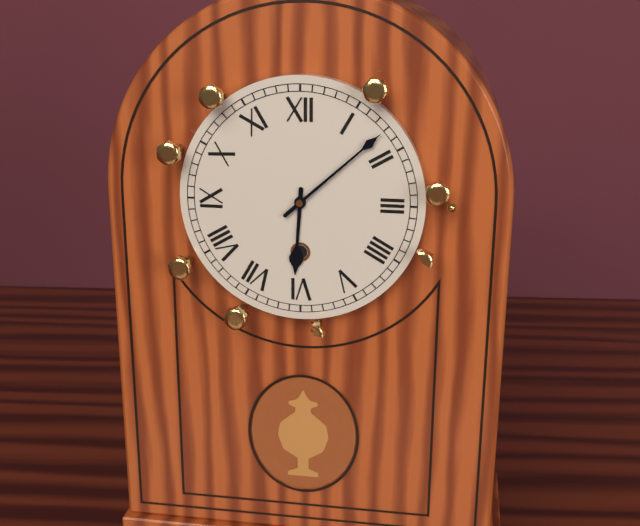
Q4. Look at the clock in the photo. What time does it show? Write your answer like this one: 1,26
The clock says 6,08
